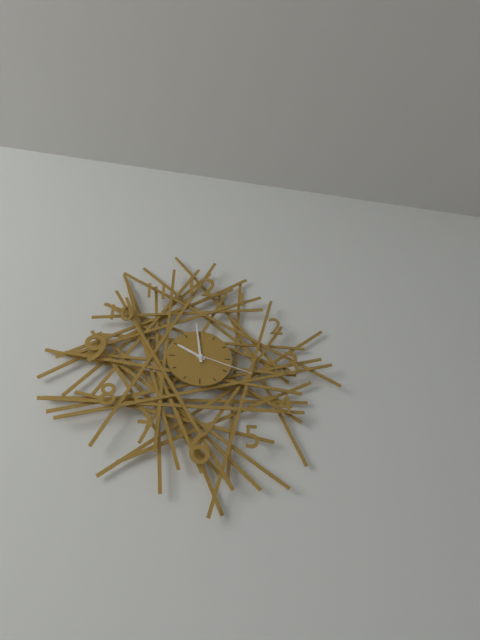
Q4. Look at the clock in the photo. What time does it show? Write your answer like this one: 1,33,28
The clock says 9,59,18
